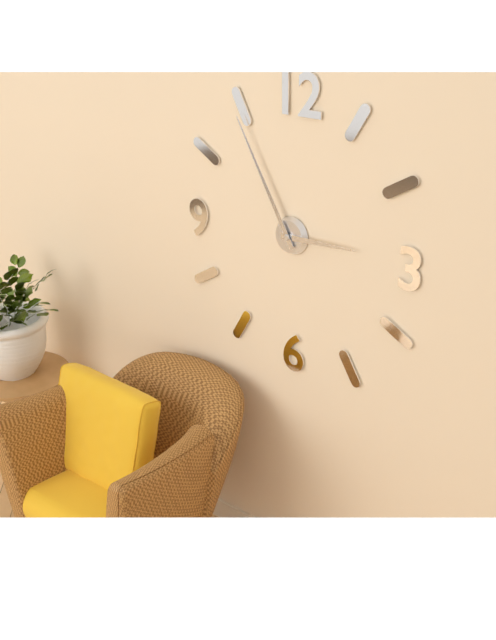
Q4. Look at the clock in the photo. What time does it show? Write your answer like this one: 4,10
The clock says 2,55
